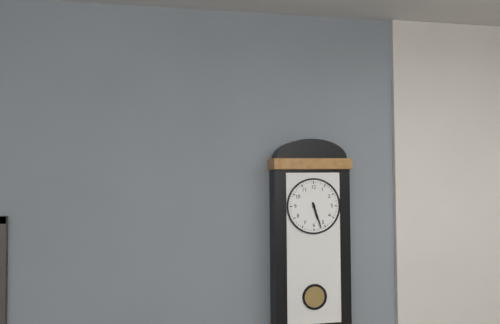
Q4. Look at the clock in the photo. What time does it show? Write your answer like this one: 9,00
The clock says 5,27
